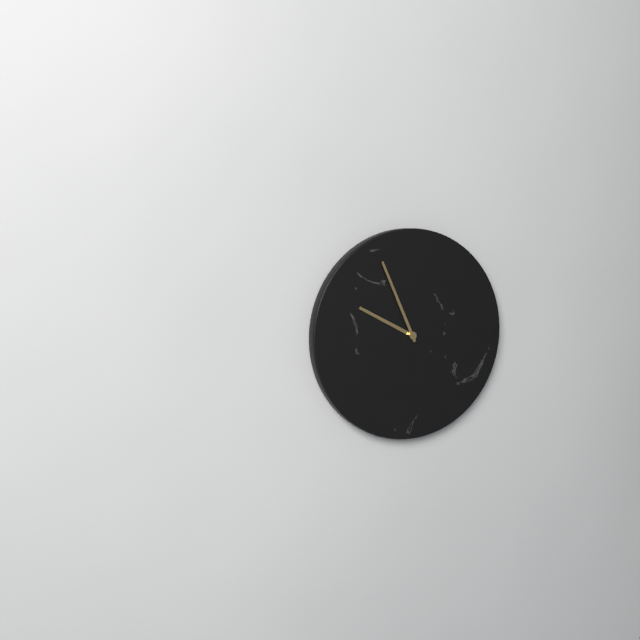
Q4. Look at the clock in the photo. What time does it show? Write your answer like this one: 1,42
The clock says 9,56
